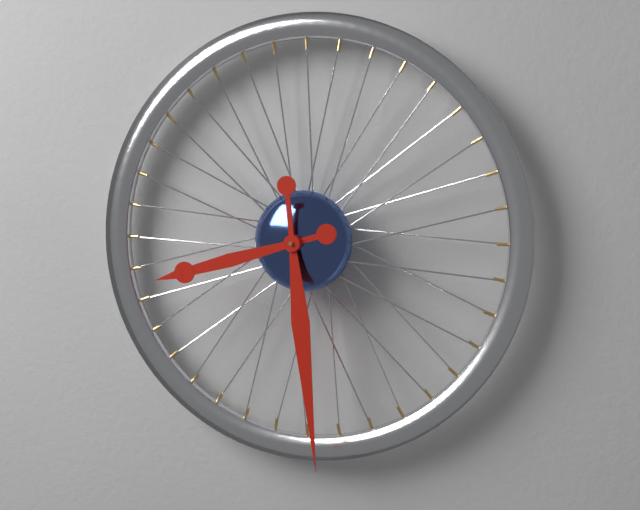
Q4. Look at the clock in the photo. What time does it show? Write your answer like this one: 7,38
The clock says 8,29
